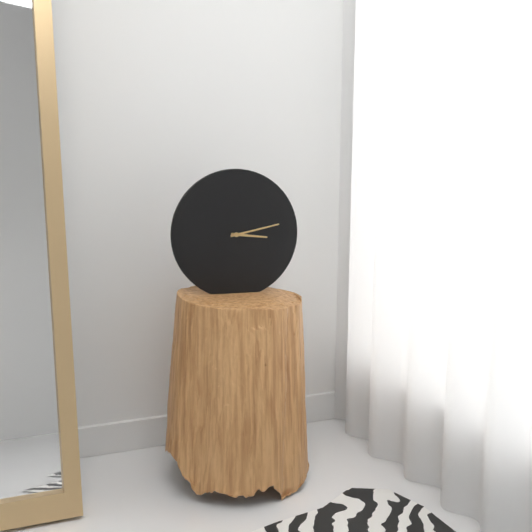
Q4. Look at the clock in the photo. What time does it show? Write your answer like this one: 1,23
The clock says 3,13
